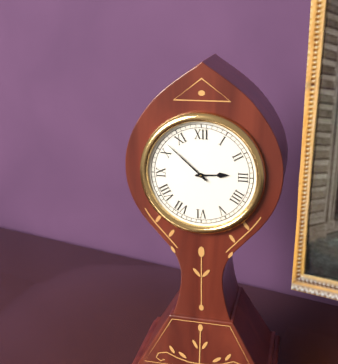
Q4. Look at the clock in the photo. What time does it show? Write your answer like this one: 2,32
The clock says 2,52
